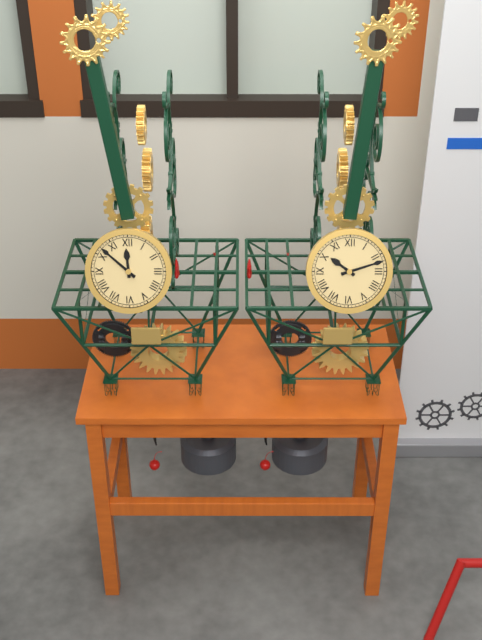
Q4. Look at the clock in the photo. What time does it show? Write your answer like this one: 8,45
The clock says 11,52
